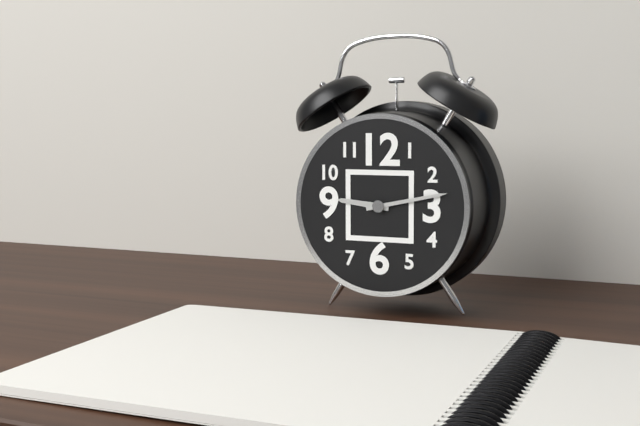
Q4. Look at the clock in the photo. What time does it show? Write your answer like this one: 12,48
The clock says 9,13
